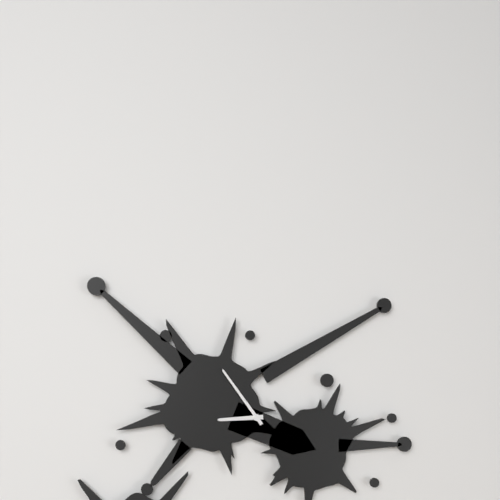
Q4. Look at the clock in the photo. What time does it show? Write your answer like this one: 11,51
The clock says 8,54
